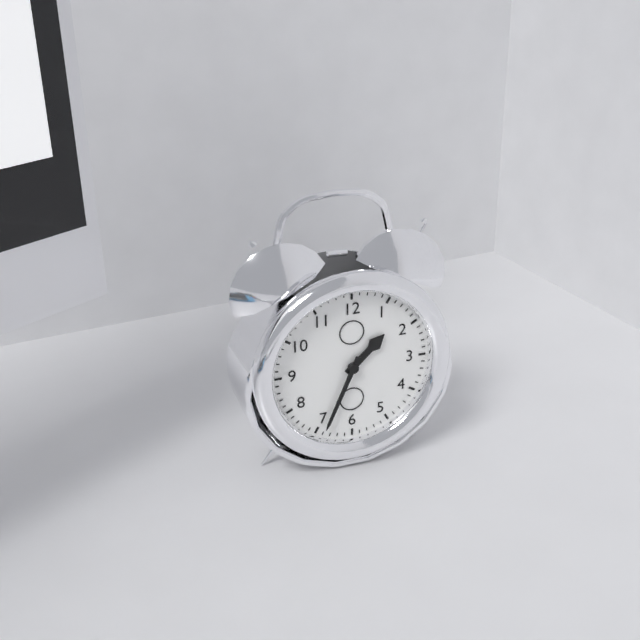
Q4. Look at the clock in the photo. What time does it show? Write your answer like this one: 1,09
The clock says 1,34
